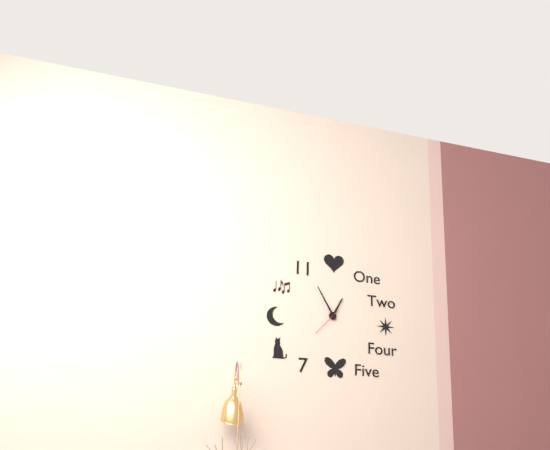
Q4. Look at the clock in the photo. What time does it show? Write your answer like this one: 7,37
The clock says 12,55
